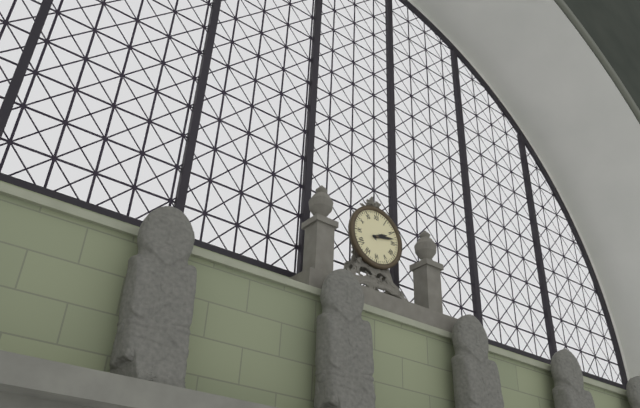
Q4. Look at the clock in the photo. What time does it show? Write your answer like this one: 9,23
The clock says 2,13
